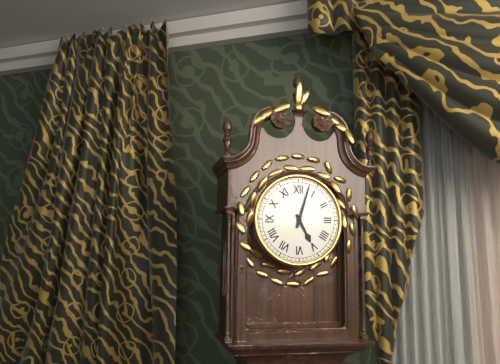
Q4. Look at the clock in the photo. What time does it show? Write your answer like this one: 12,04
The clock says 5,03
